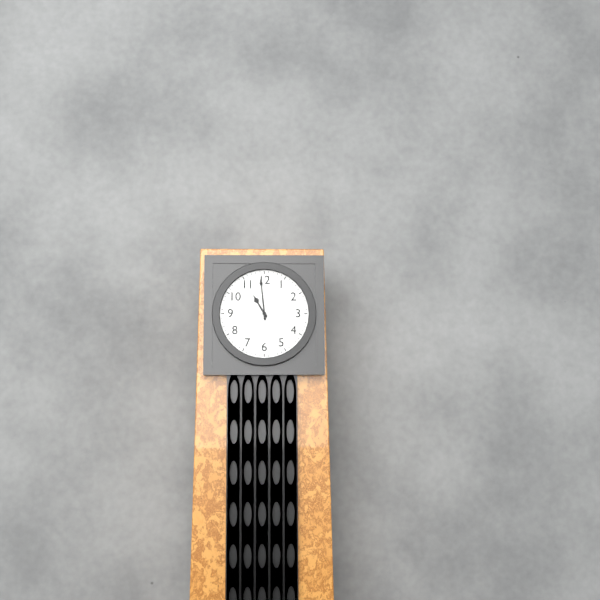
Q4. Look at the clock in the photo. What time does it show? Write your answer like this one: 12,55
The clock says 10,59
